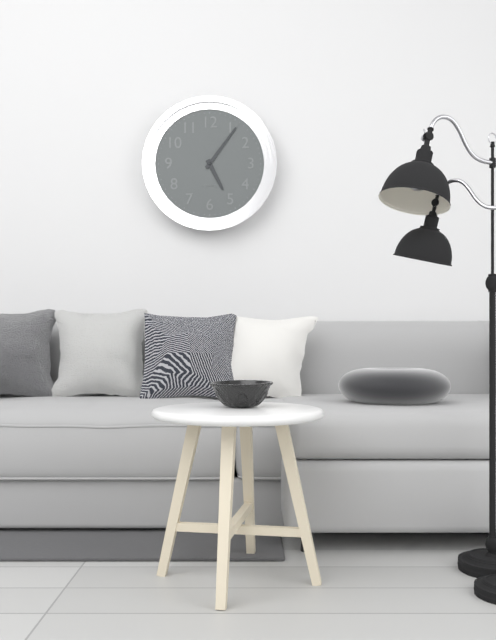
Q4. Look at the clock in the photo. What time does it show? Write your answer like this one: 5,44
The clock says 5,06
